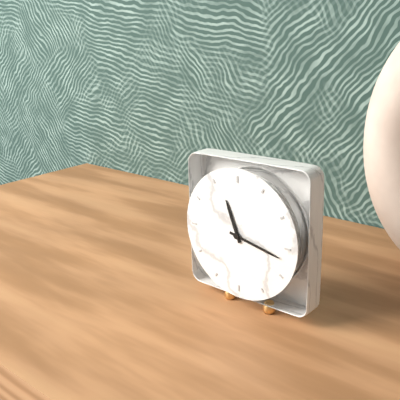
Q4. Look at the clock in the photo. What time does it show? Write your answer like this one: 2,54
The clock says 11,17
